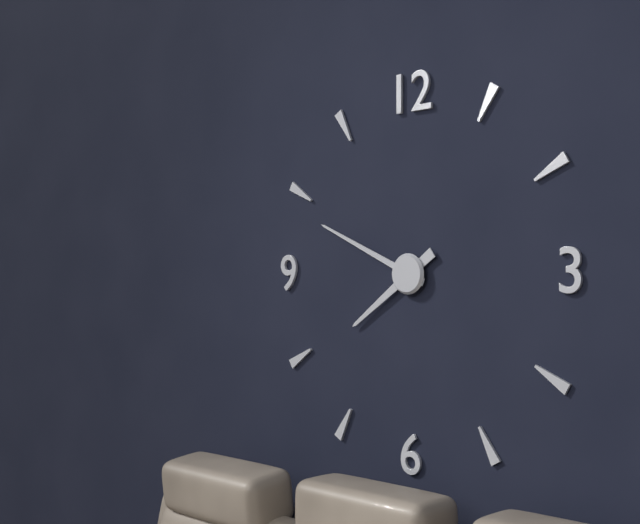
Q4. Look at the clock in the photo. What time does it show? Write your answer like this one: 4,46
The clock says 7,49
